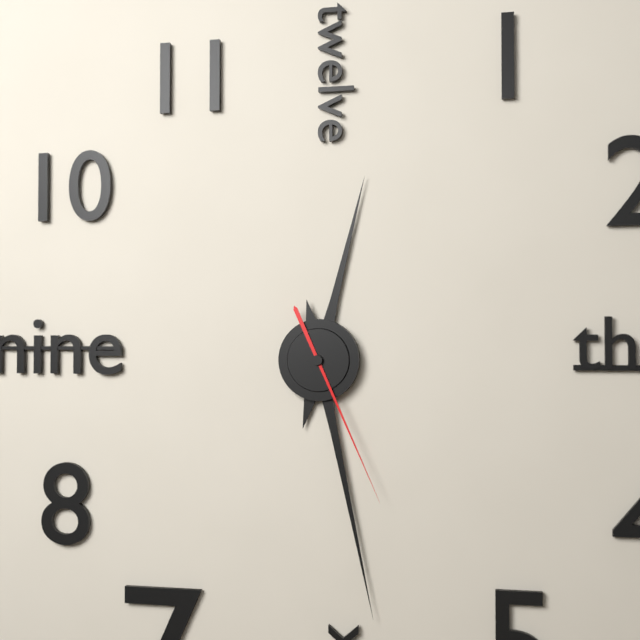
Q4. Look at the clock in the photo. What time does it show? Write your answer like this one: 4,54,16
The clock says 12,28,26
